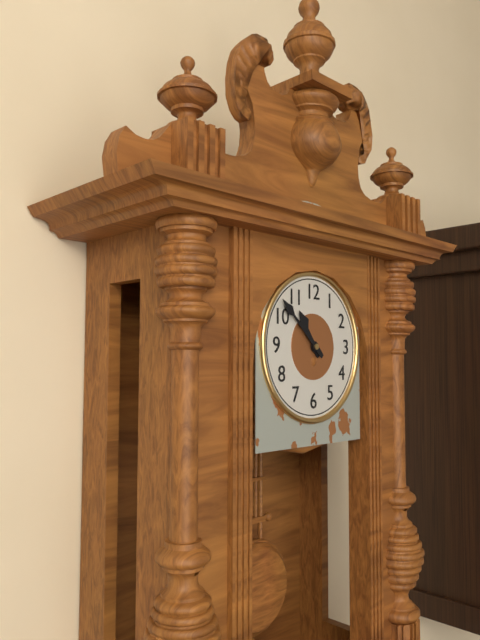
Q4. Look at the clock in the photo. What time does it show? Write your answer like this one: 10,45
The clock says 10,52
